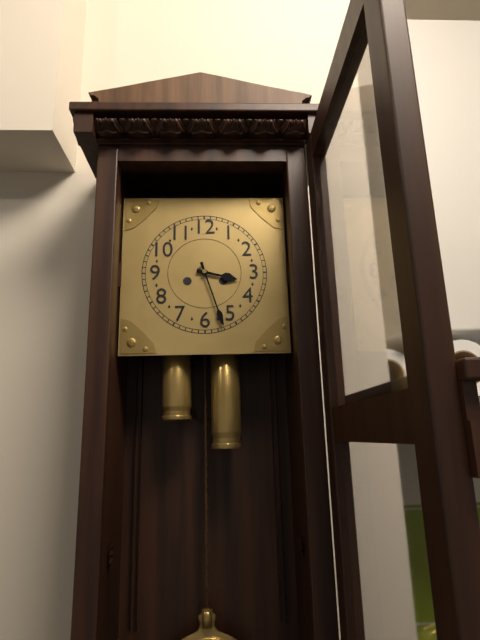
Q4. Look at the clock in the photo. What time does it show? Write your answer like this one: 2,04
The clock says 3,27
